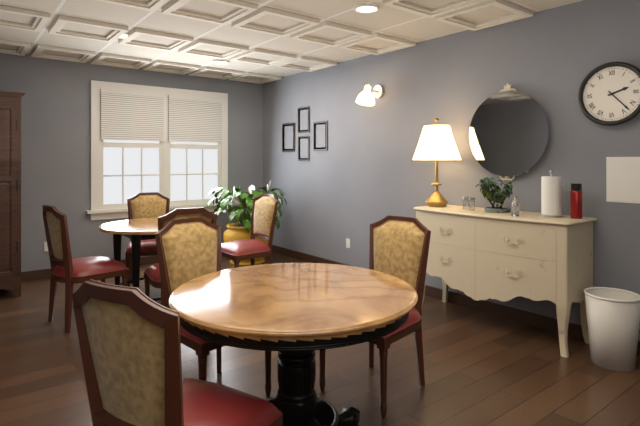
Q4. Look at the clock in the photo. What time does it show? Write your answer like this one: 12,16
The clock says 2,23
